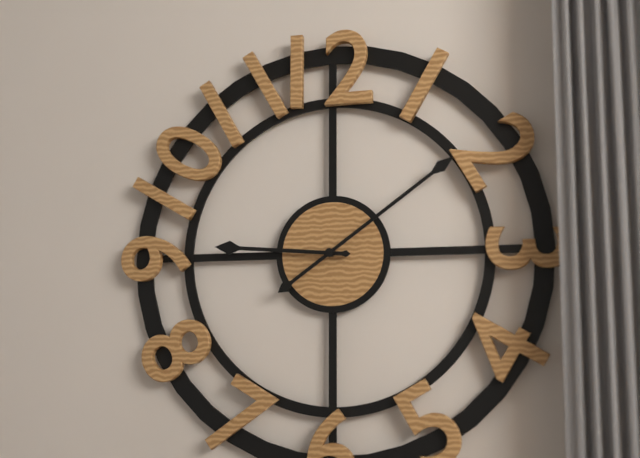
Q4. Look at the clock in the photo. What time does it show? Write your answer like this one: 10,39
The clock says 9,09
